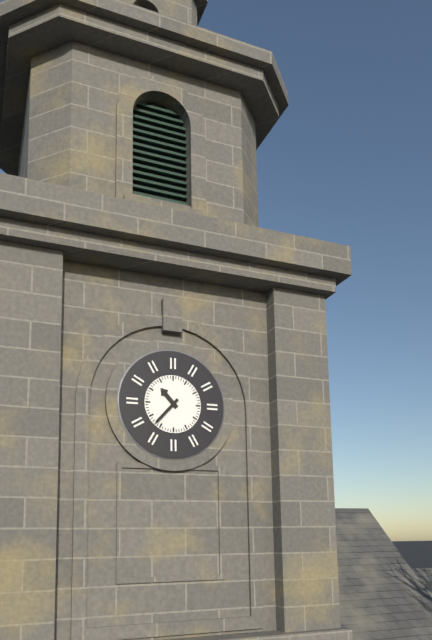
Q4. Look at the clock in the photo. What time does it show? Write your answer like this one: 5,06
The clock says 10,37
